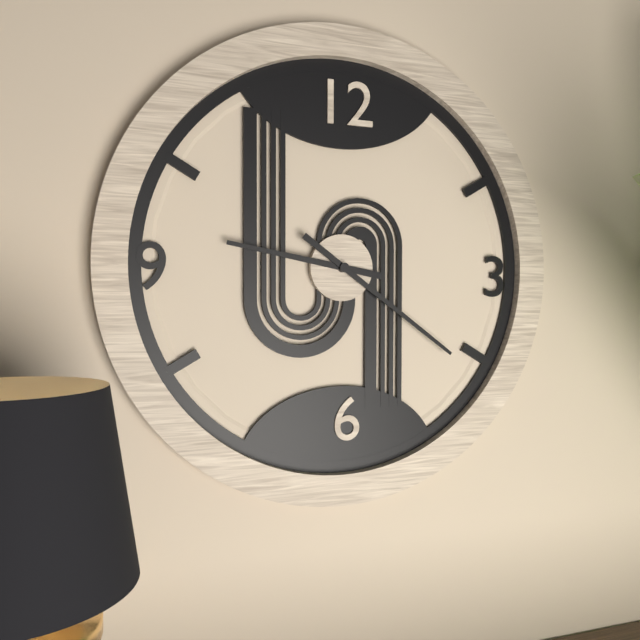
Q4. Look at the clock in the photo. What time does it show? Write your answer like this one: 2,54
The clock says 9,21
